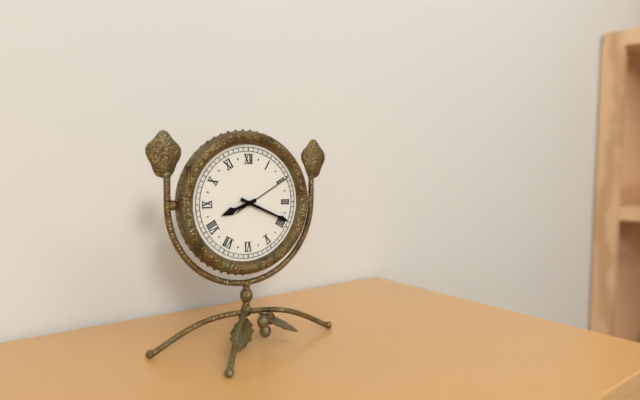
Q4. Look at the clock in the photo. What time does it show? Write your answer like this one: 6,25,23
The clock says 8,19,10
